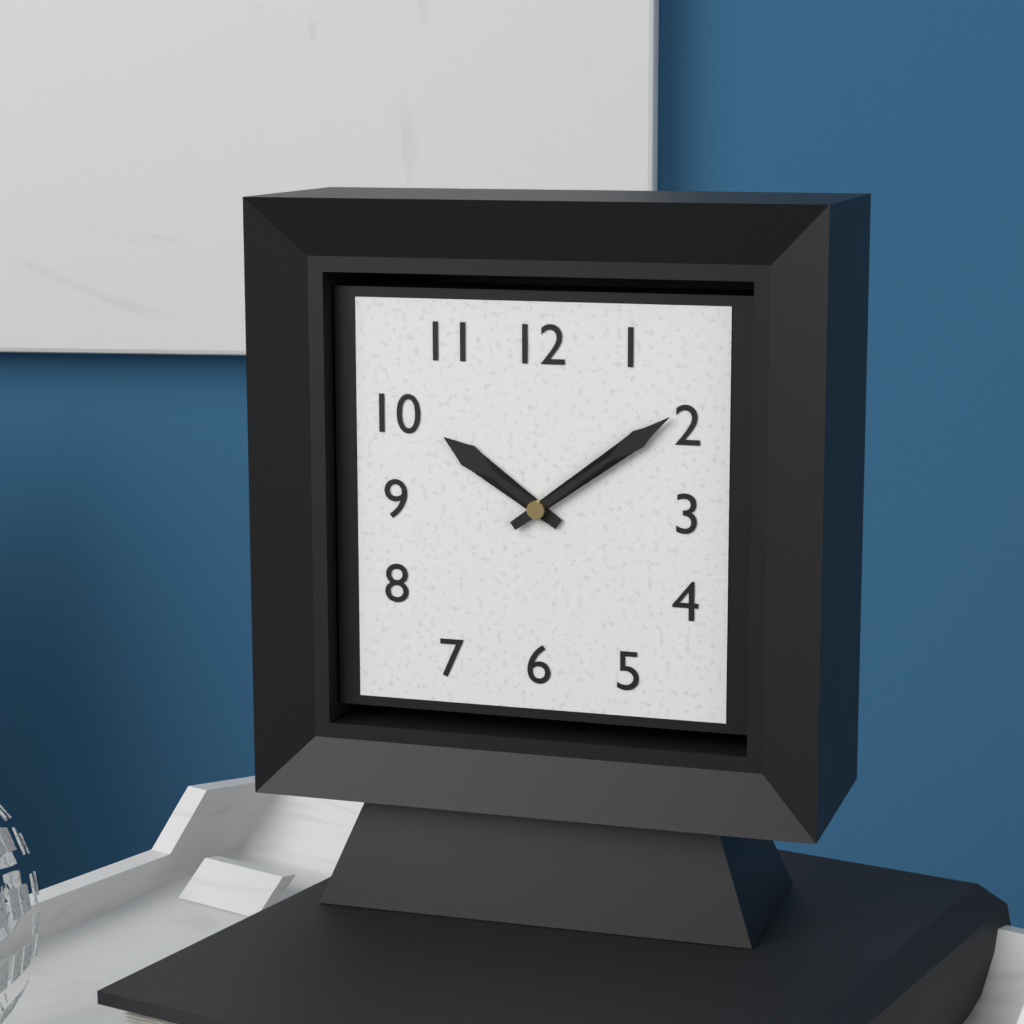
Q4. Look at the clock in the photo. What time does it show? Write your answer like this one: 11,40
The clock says 10,09
